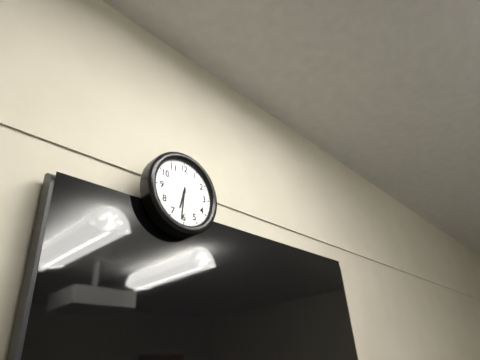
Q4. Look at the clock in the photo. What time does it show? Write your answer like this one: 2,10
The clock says 6,31
